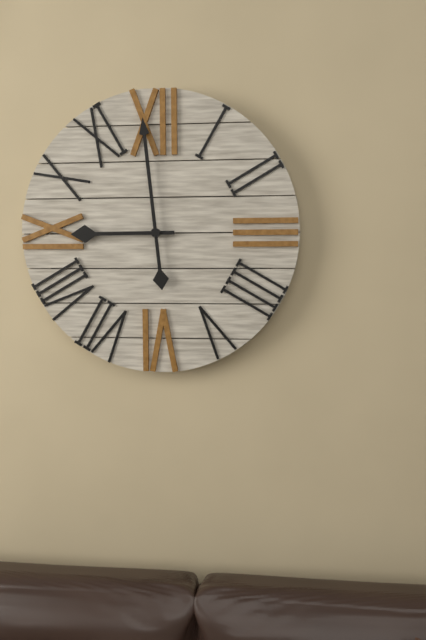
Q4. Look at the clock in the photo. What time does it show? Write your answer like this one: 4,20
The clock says 8,59
